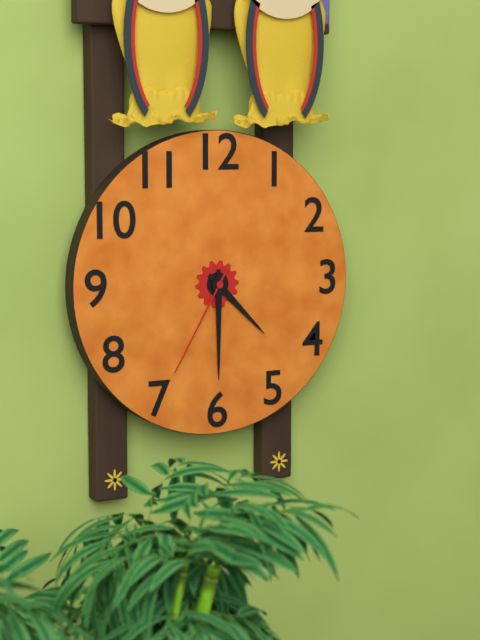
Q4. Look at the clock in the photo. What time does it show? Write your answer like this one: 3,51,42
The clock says 4,30,35
